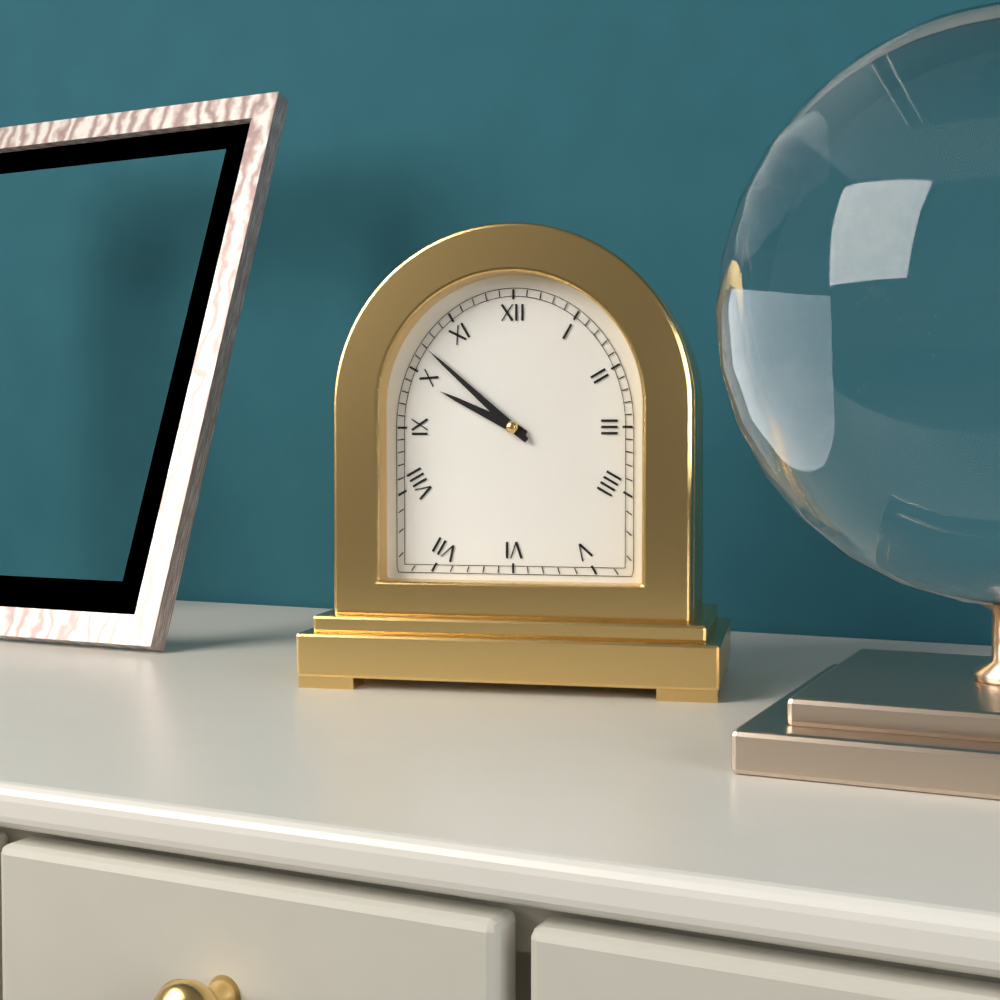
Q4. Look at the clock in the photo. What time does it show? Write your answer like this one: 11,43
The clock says 9,52
